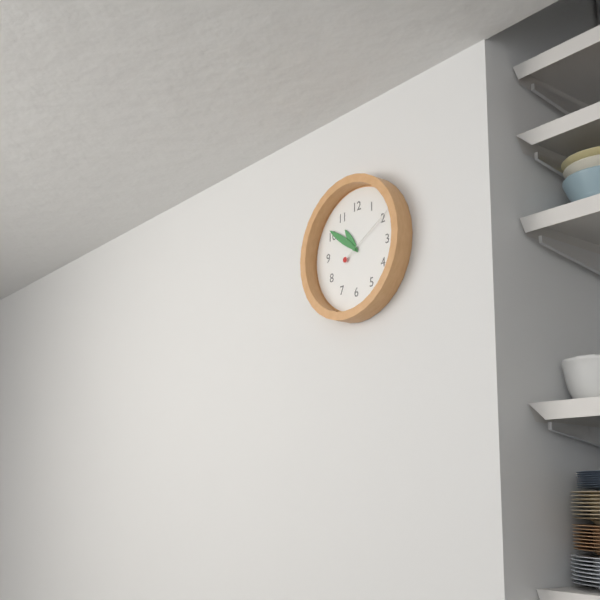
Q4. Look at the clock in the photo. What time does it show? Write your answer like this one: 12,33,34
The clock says 10,51,10
